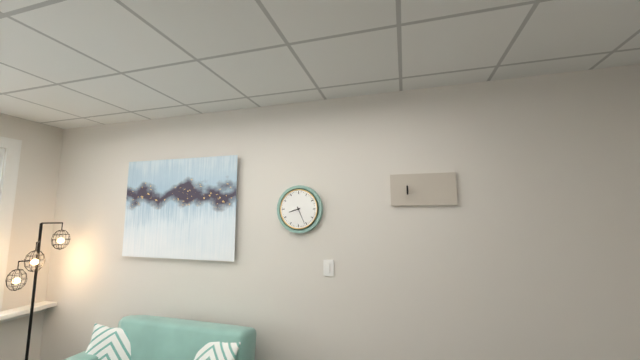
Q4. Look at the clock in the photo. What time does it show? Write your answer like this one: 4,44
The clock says 8,26
